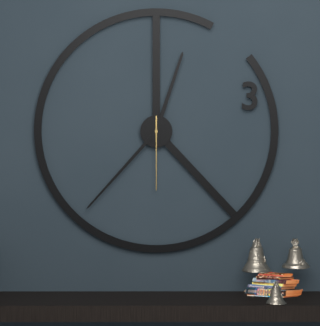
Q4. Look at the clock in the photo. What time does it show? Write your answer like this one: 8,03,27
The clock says 12,37,30
